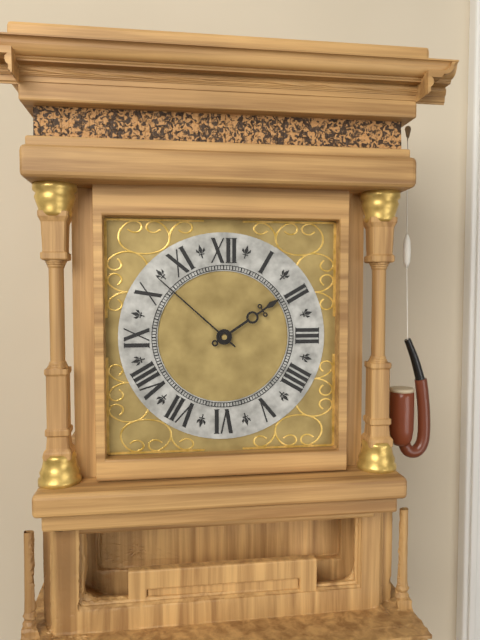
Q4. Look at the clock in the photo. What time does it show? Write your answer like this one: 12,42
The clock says 1,52
